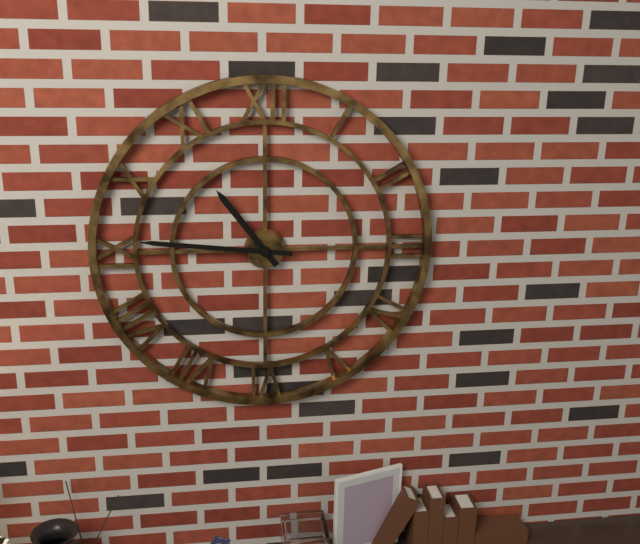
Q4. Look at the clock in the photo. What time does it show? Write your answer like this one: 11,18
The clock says 10,46
